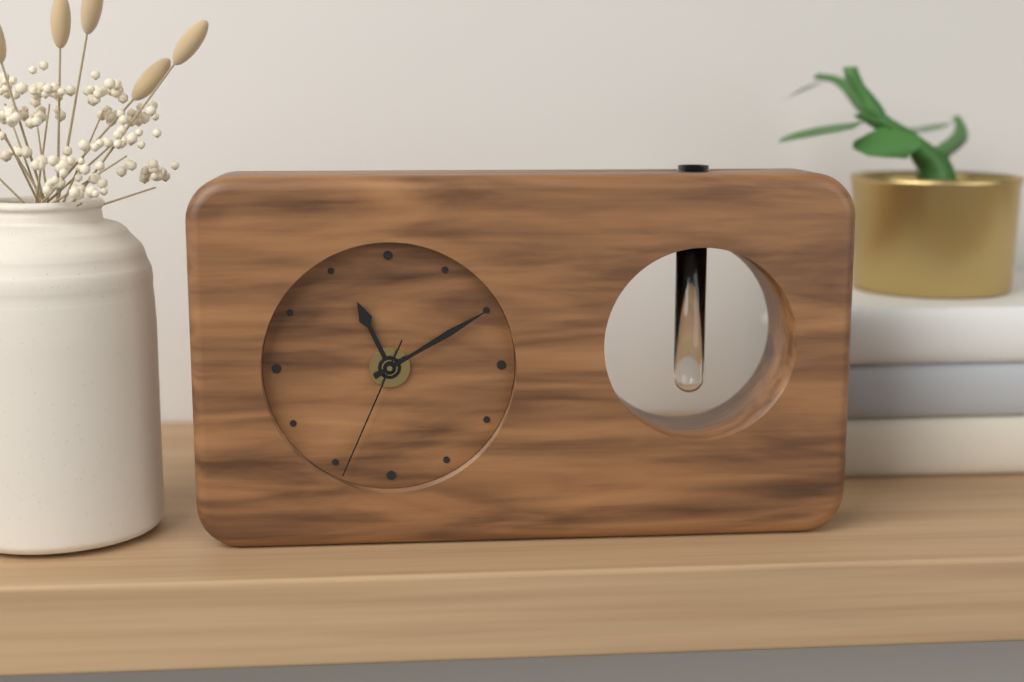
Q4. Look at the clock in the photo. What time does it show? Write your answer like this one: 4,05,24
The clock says 11,10,34
